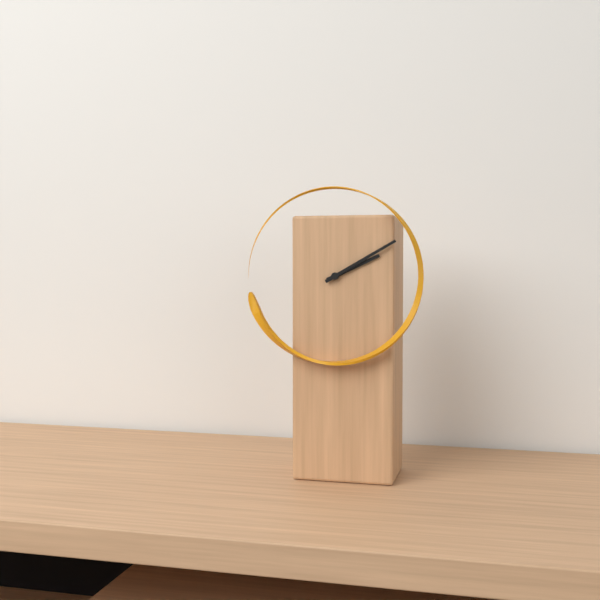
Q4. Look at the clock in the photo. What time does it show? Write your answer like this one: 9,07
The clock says 2,10
